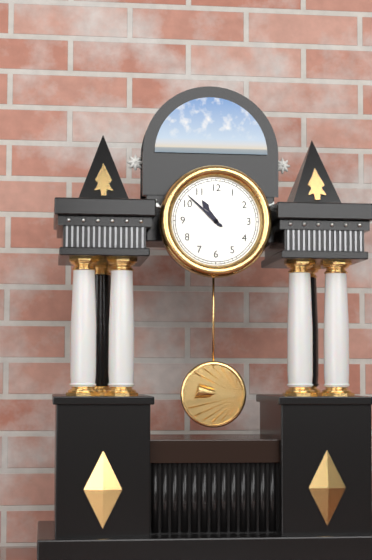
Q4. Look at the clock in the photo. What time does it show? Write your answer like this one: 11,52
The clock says 10,52
